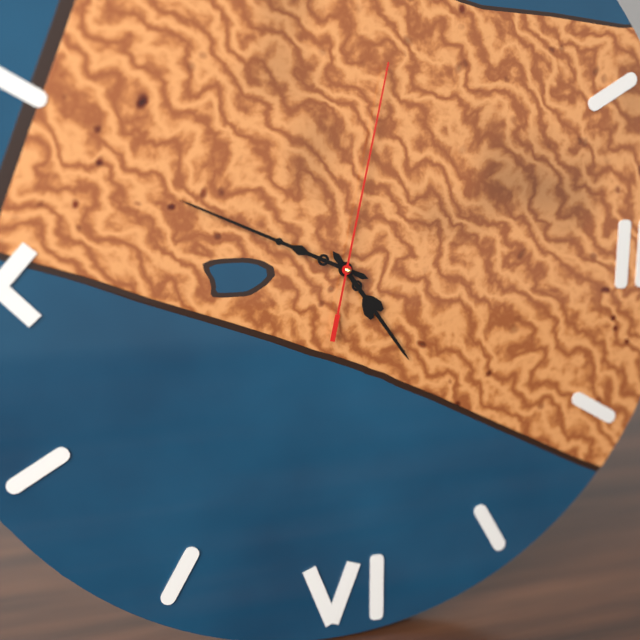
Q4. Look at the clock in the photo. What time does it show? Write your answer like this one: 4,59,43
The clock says 4,49,02
